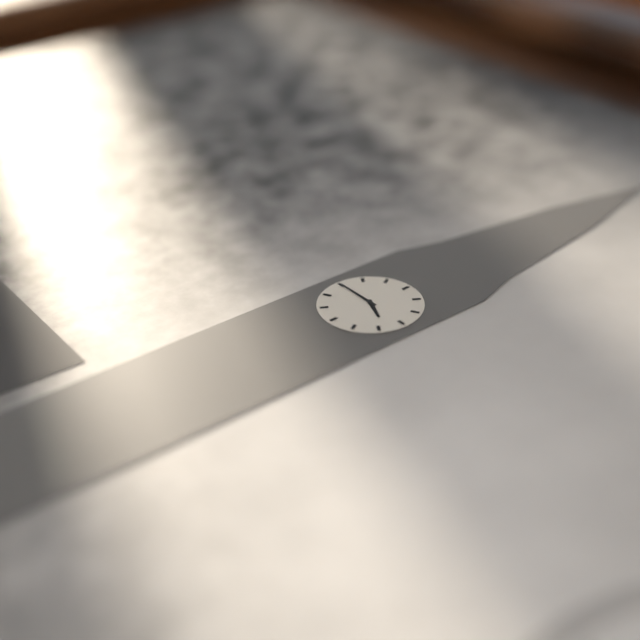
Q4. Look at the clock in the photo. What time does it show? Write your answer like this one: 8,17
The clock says 3,45
